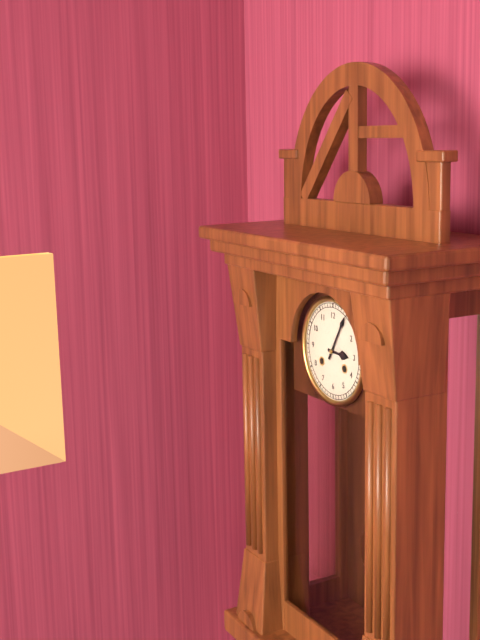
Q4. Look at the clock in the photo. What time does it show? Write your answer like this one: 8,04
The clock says 3,05
